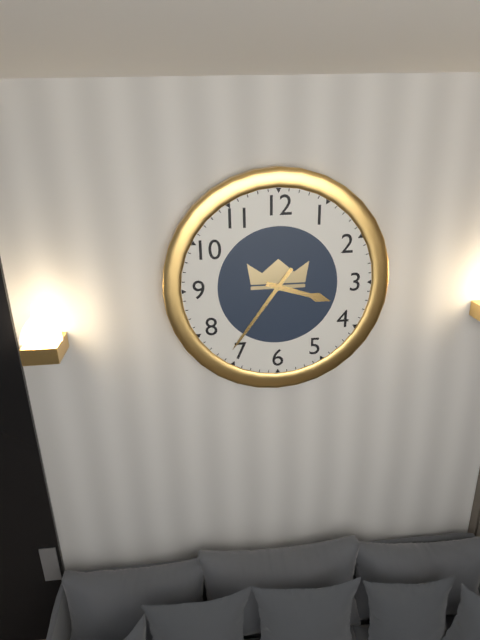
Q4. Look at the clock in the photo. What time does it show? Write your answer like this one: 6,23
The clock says 3,36
